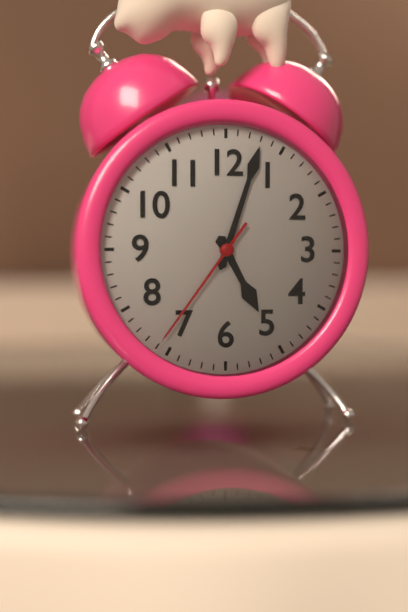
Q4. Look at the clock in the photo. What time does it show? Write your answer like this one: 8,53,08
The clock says 5,03,36
